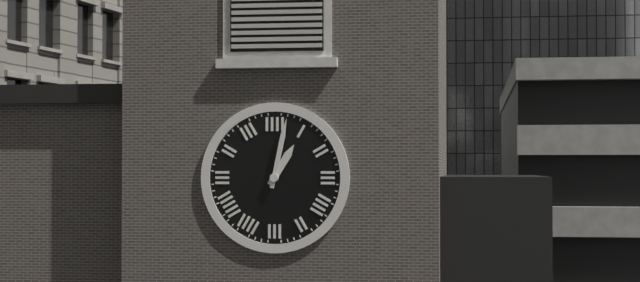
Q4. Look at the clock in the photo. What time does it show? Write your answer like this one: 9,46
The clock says 1,02
